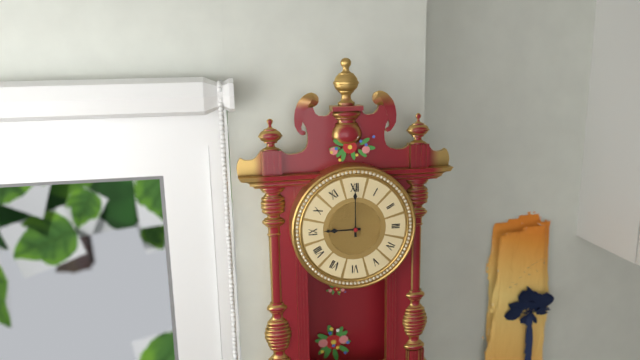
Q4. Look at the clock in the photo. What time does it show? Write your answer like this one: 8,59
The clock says 9,00
